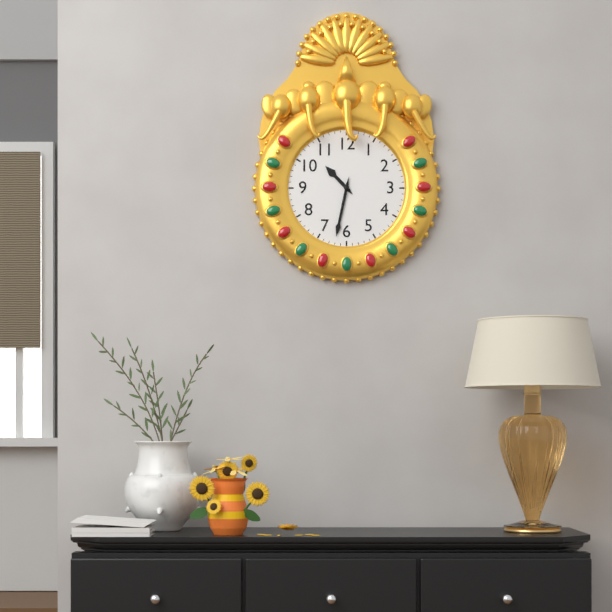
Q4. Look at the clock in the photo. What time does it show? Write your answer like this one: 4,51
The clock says 10,32
